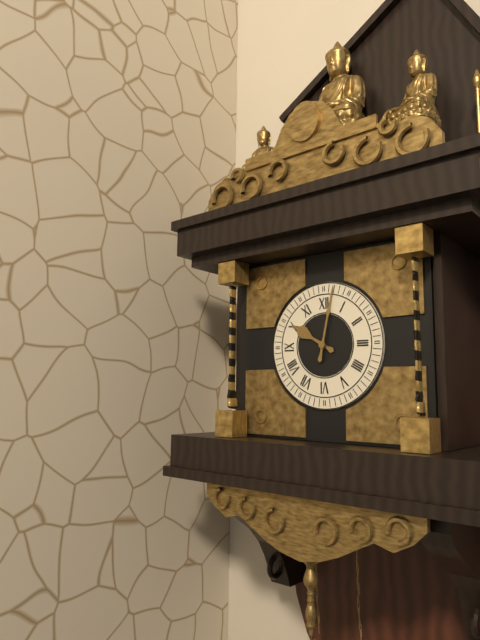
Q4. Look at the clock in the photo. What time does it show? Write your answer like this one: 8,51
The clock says 10,02
